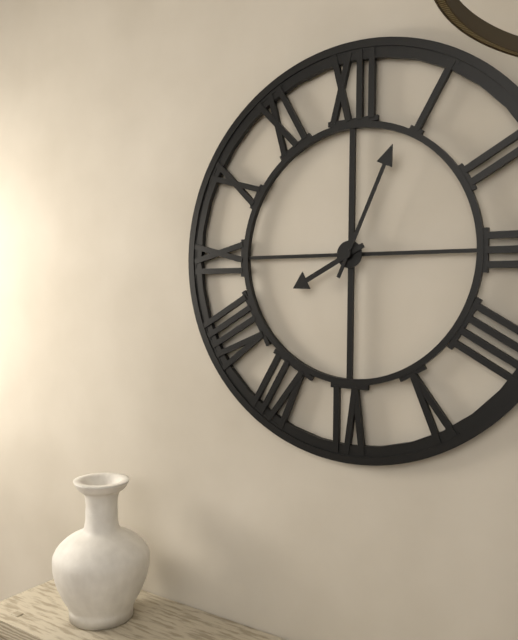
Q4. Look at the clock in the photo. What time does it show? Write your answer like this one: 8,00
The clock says 8,04
